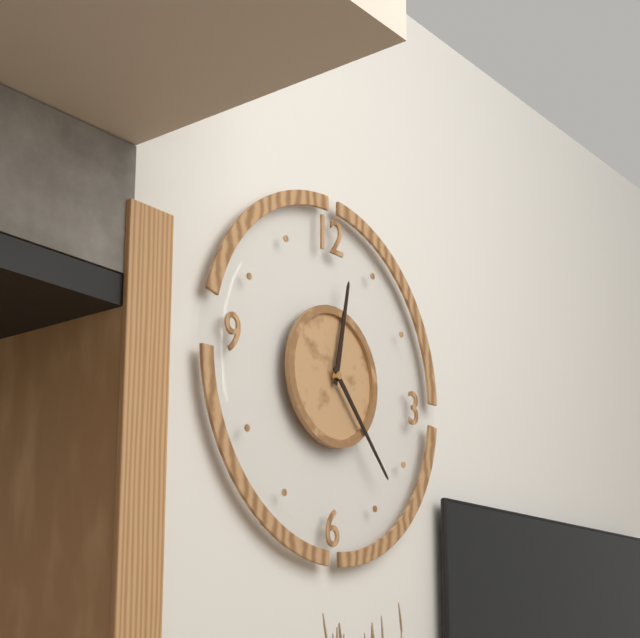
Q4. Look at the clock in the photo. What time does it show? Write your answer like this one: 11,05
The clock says 12,23
